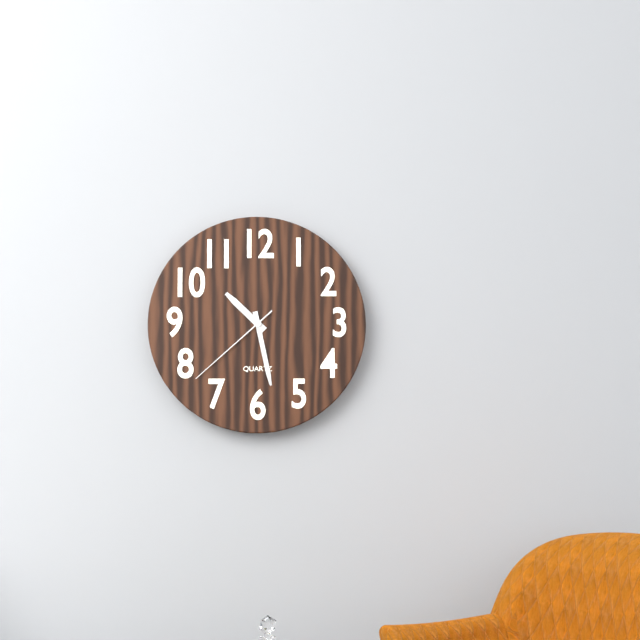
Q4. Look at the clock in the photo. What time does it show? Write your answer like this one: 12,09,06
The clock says 10,28,38
